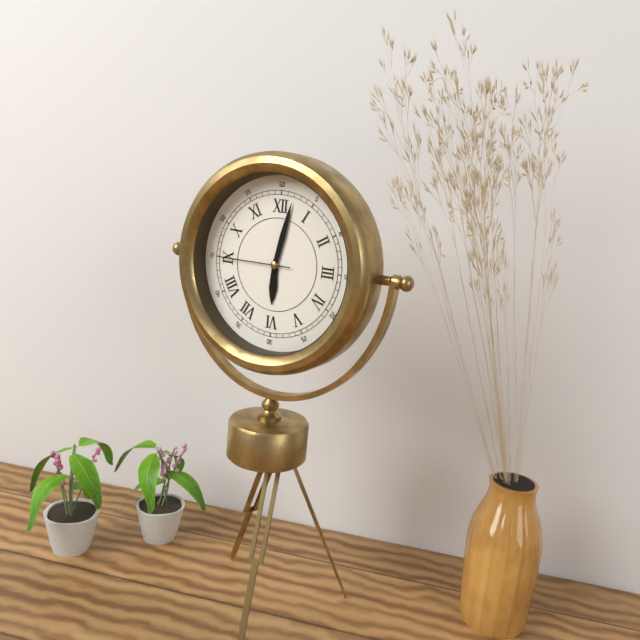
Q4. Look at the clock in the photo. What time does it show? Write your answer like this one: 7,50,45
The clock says 6,02,45
